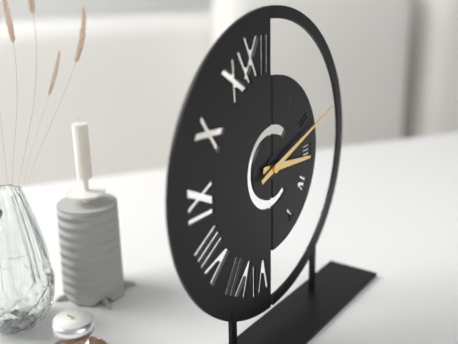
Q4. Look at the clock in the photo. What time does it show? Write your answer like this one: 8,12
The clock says 3,12
